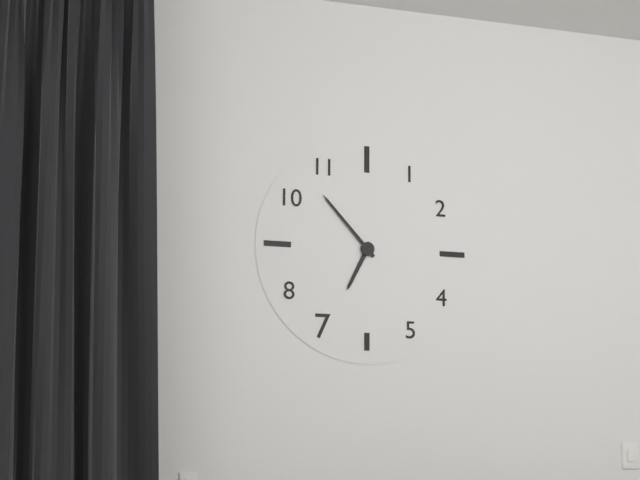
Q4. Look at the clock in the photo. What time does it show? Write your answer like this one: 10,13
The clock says 6,53
